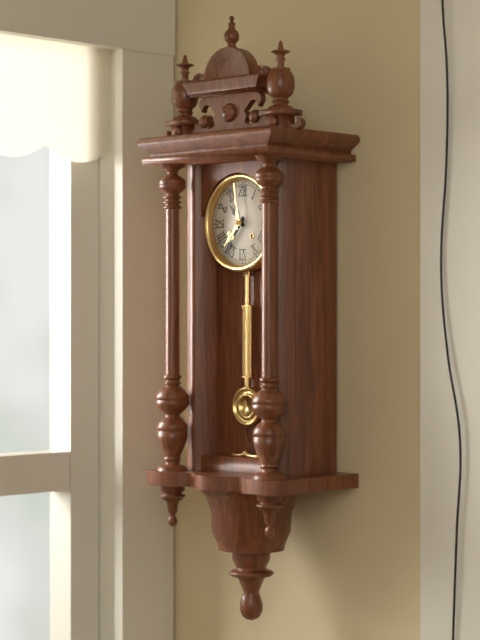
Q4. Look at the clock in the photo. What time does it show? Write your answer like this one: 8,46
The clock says 10,36
